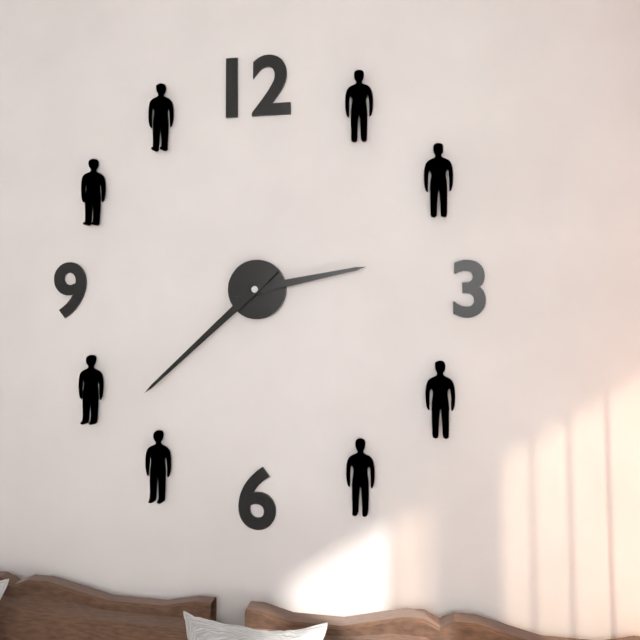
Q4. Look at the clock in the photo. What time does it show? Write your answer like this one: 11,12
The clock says 2,38
